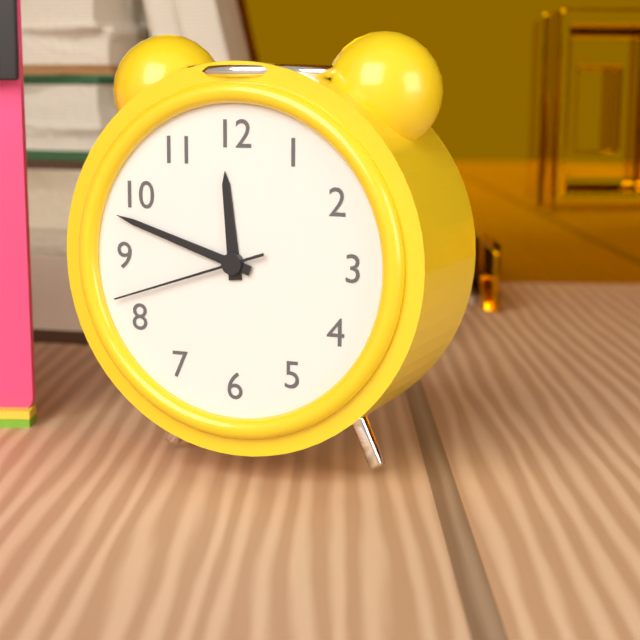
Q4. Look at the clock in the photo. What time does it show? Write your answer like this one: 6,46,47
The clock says 11,48,42
